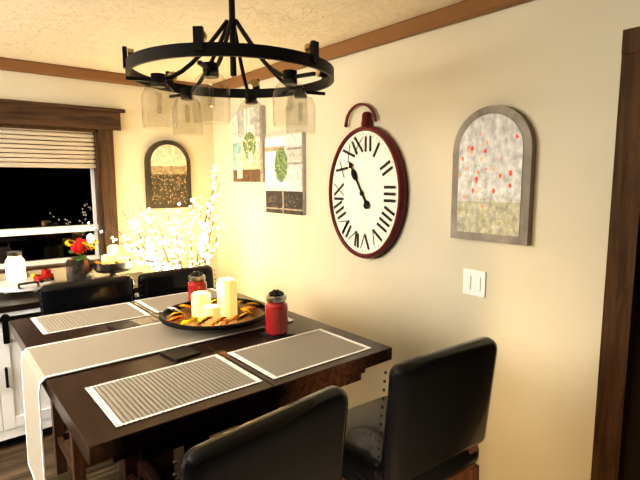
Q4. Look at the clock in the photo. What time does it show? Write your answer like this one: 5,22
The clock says 10,55
